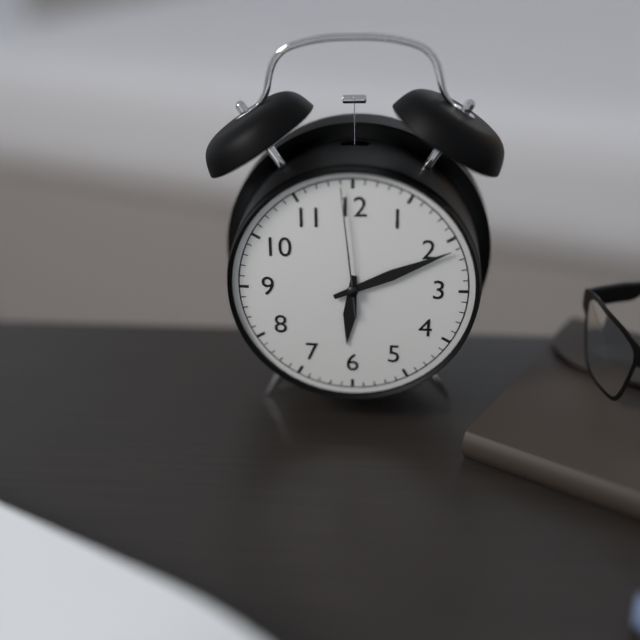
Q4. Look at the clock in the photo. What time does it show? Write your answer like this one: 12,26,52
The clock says 6,11,59
